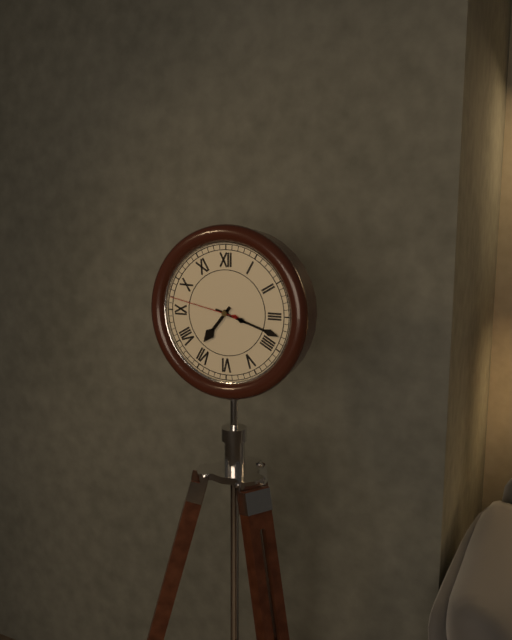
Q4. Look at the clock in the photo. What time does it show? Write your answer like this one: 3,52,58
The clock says 7,18,47
